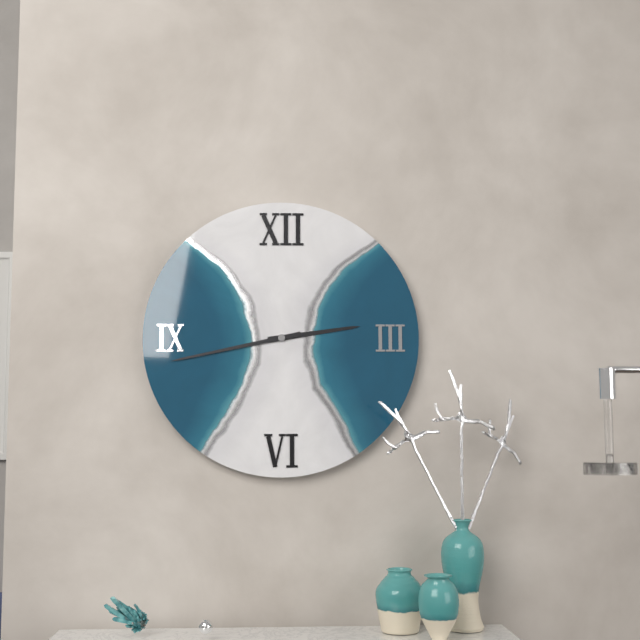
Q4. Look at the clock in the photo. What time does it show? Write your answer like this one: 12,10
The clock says 2,43
